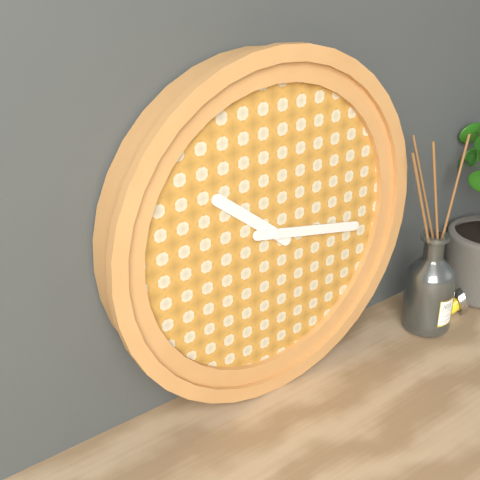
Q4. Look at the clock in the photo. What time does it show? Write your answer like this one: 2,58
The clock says 10,17
